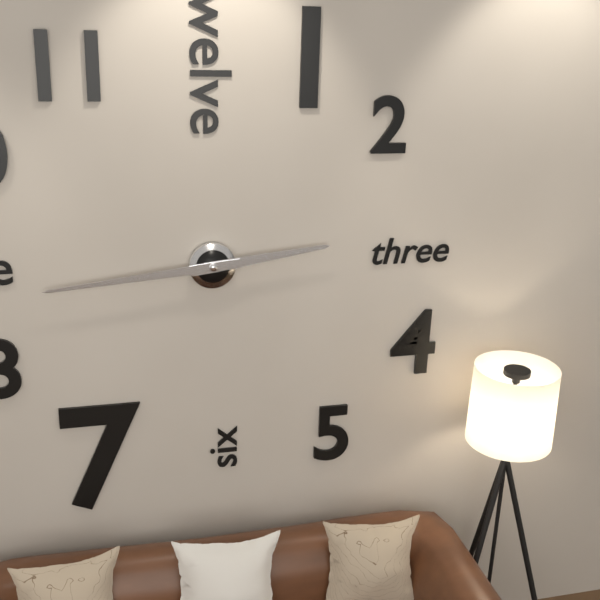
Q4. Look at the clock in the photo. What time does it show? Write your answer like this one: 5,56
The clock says 2,44
